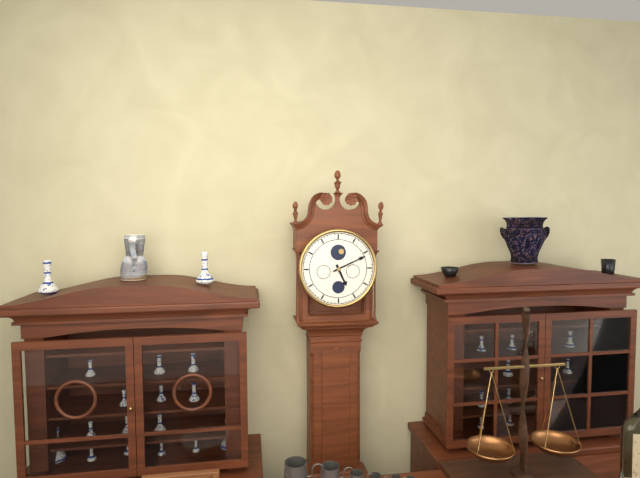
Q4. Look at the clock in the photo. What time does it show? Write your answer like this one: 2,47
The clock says 5,11
